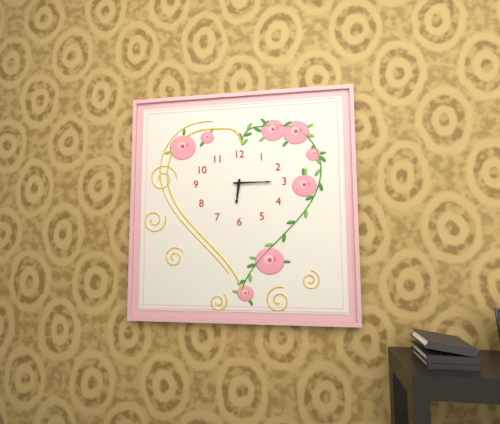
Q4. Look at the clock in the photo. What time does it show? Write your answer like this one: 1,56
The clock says 6,15
